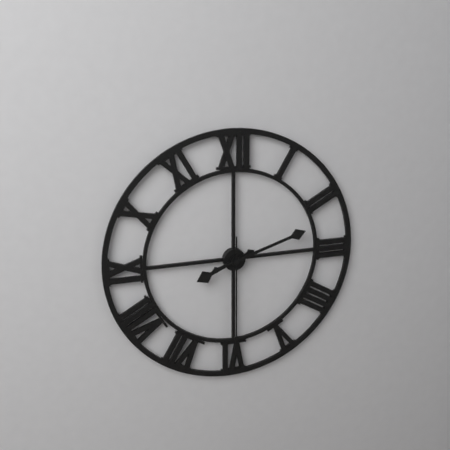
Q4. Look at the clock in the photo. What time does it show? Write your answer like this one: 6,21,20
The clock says 8,12,30
